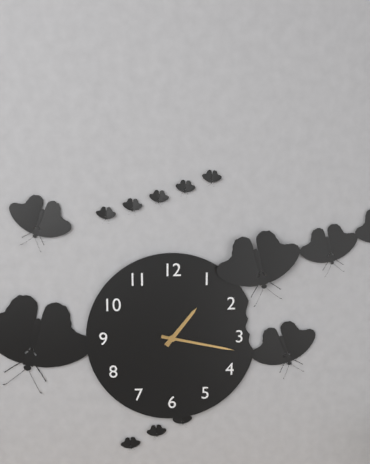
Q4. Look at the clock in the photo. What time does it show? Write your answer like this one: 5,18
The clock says 1,17
